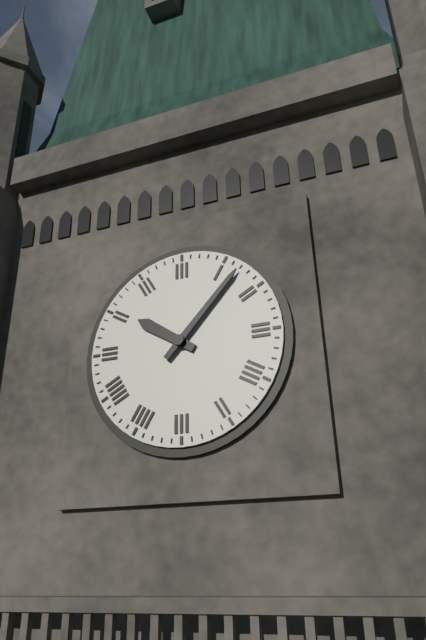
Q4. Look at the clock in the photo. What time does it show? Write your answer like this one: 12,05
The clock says 10,07
